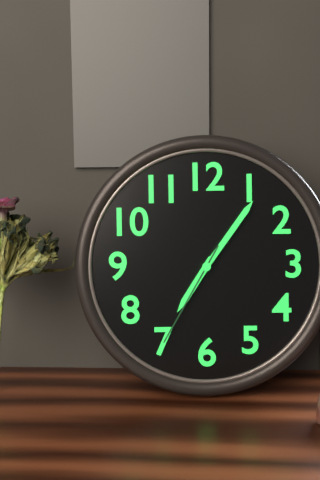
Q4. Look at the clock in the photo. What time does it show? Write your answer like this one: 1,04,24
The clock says 7,06,35
